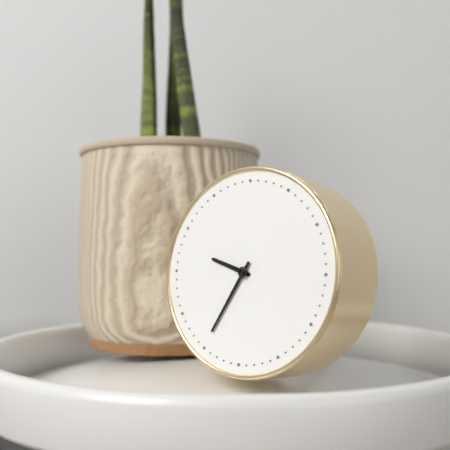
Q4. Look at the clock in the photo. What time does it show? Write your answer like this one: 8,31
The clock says 9,35
